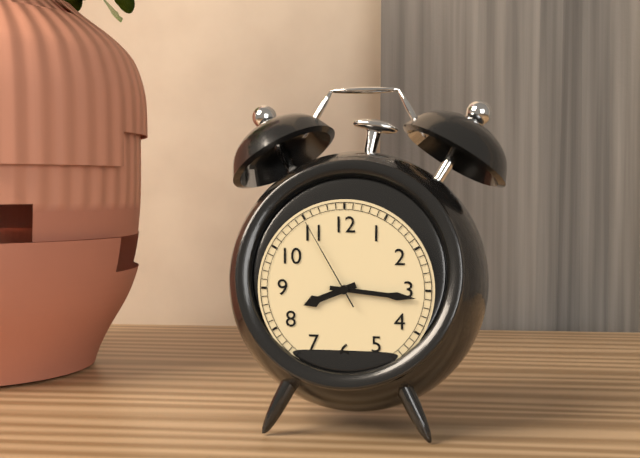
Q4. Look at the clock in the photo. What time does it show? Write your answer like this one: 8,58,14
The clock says 8,16,55
